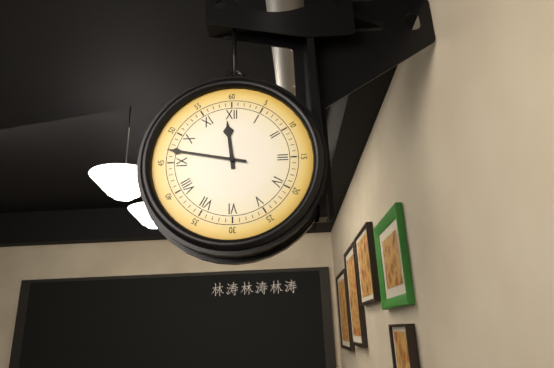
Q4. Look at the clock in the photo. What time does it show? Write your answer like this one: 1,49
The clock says 11,47
